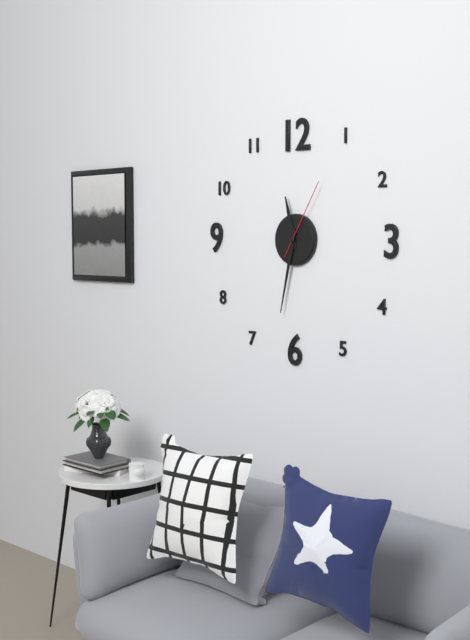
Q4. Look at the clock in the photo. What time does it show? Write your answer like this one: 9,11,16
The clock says 11,32,05
